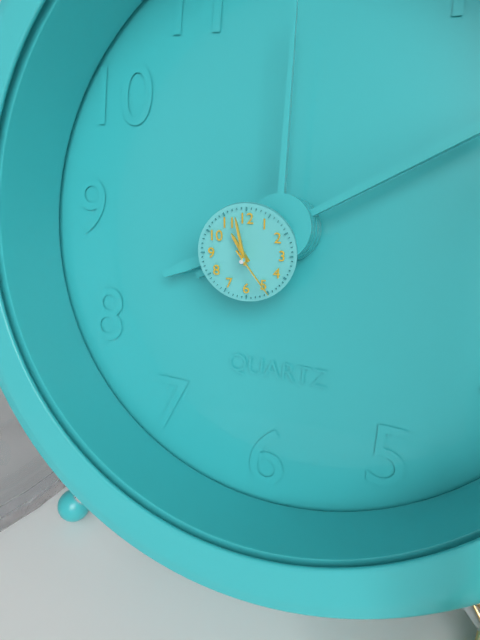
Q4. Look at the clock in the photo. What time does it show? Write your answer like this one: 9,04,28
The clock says 10,58,24
